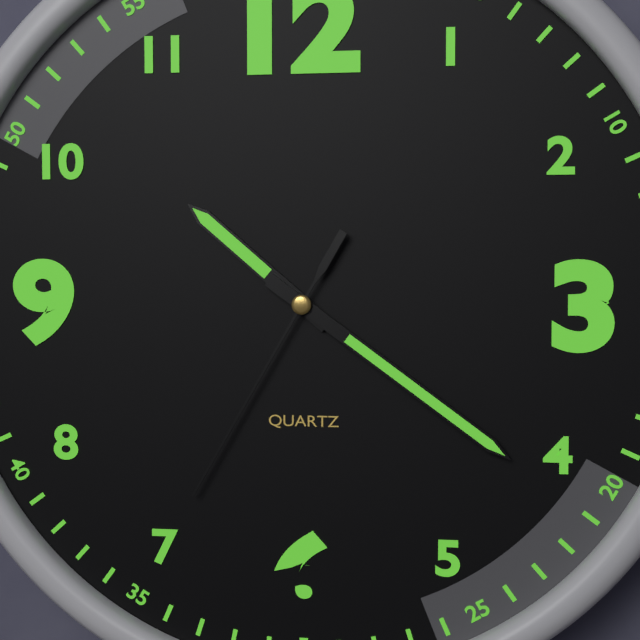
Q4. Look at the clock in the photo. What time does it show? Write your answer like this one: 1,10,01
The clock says 10,21,35
